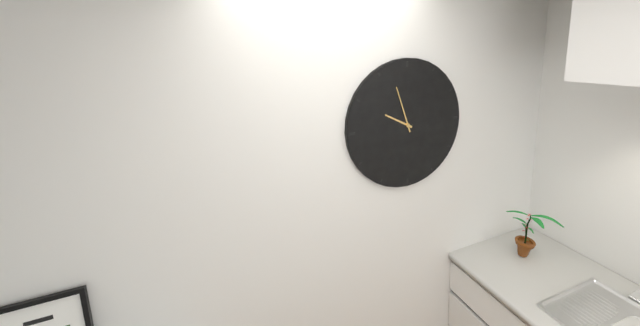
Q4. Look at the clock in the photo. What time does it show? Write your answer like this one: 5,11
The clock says 9,57
